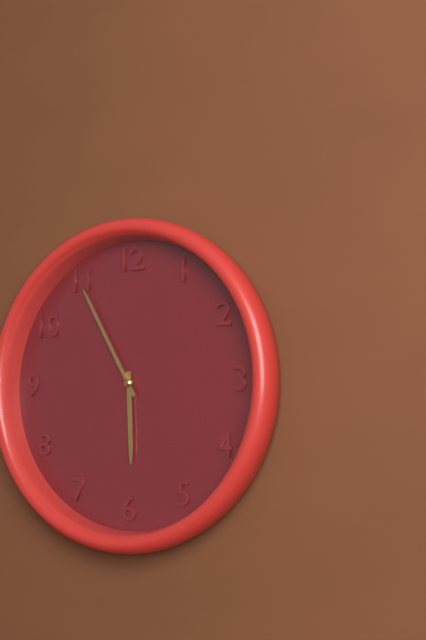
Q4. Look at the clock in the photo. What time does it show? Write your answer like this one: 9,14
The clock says 5,55
